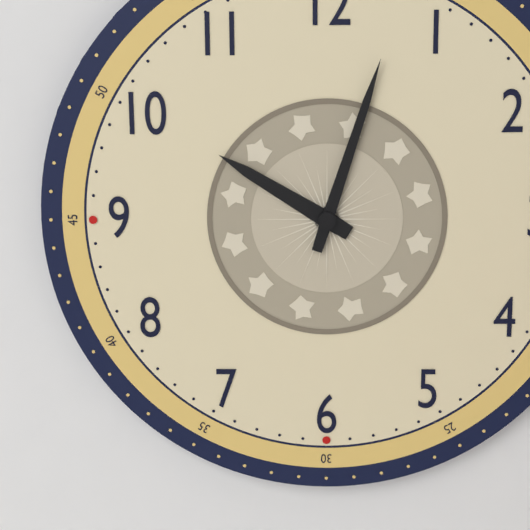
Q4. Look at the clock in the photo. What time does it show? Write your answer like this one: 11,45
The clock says 10,03
